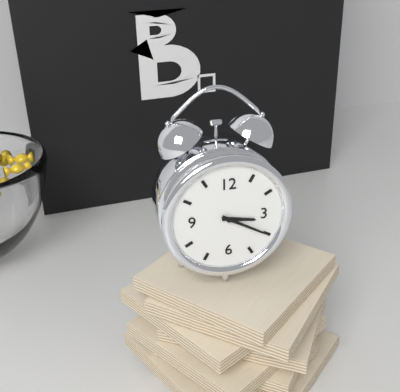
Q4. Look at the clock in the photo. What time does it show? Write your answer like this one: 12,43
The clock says 3,20
